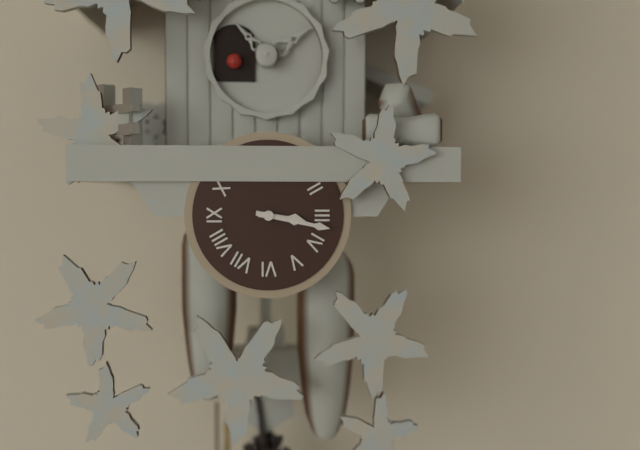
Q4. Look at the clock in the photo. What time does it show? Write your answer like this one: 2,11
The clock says 3,17
